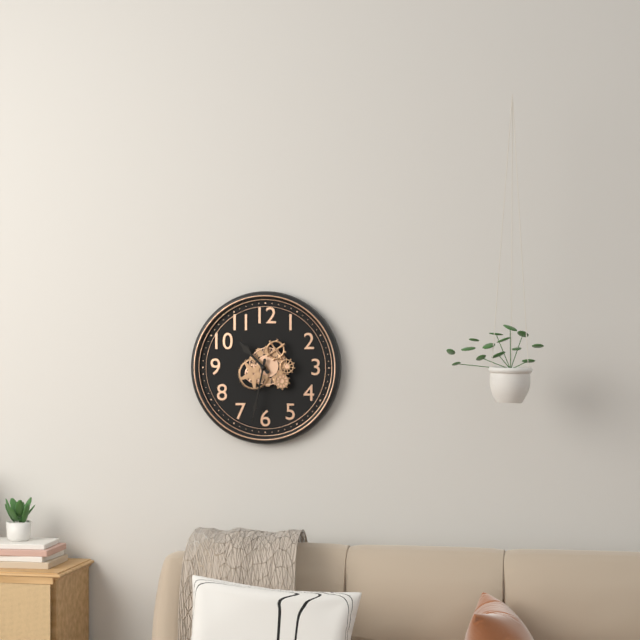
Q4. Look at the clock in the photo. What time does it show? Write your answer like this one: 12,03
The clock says 10,32
